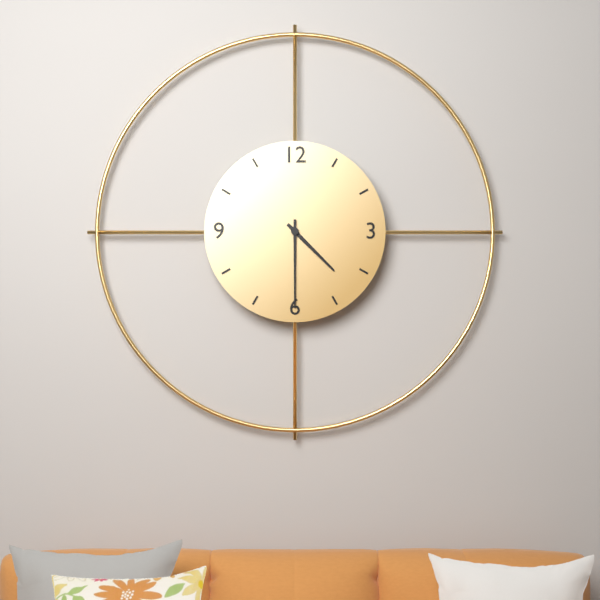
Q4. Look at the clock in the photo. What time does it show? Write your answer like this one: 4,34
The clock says 4,30
